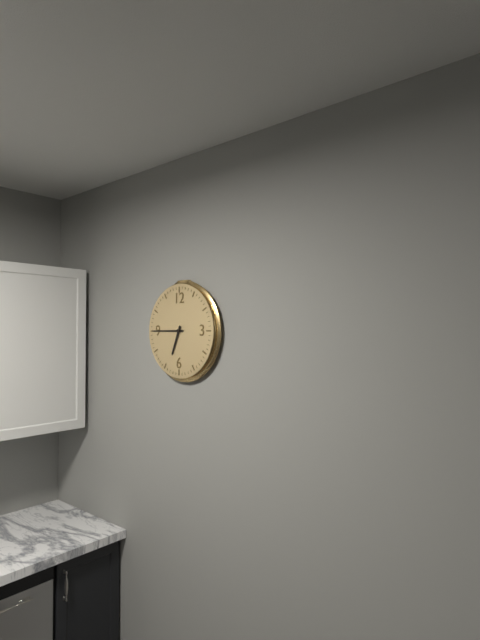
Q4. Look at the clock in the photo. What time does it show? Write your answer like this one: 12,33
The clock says 6,45
